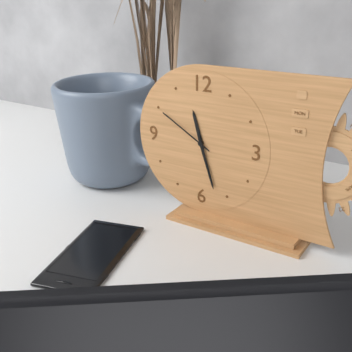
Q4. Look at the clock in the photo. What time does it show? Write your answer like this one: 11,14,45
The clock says 11,27,50
